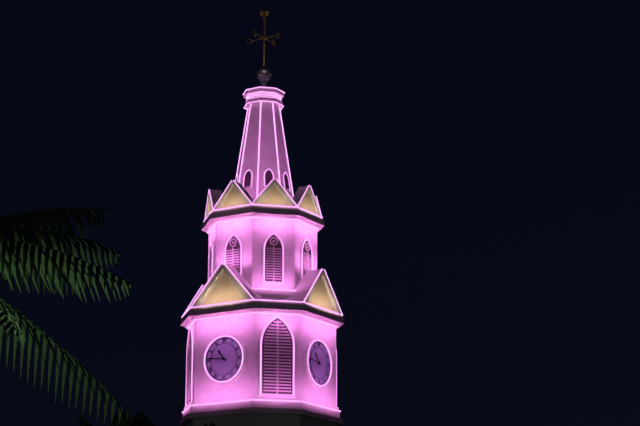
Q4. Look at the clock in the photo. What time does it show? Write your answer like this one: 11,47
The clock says 10,46
